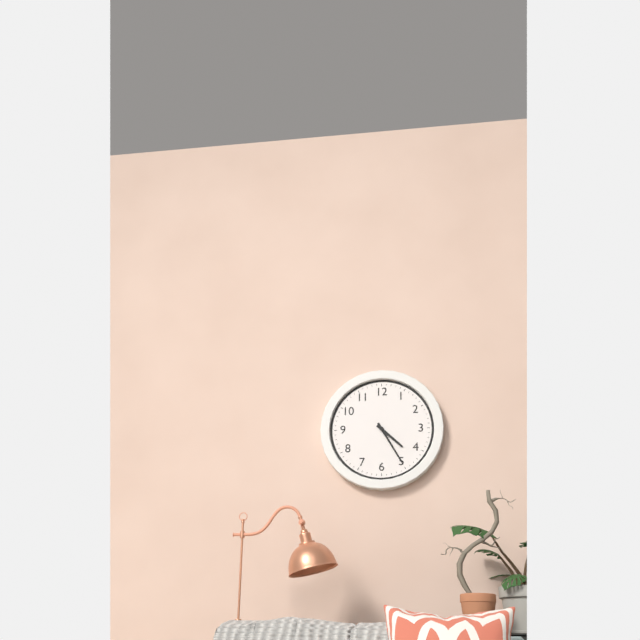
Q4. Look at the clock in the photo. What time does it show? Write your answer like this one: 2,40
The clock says 4,25
